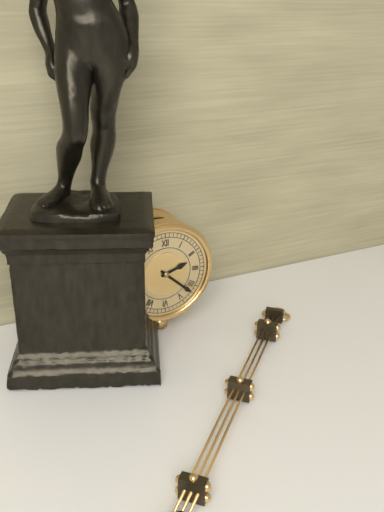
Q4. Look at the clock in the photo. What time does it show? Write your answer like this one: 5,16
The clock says 2,22
